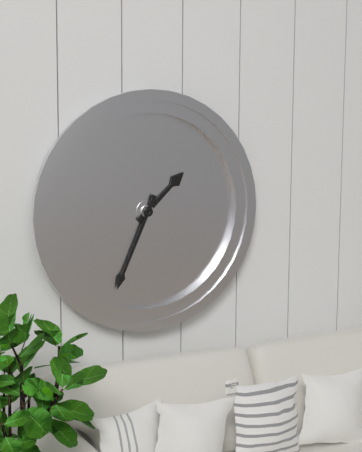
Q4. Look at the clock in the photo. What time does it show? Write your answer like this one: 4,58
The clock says 1,34
